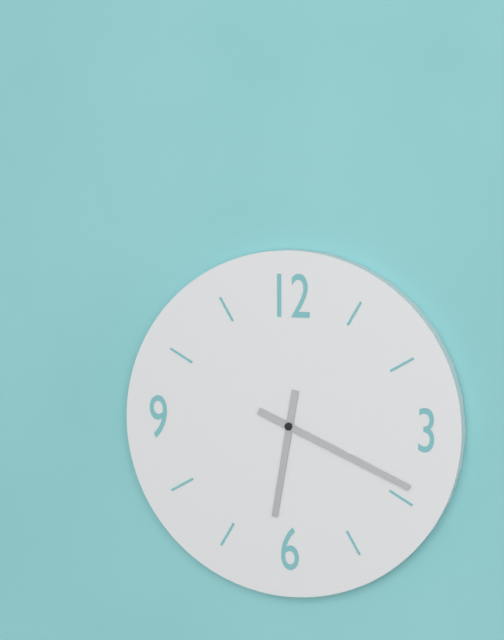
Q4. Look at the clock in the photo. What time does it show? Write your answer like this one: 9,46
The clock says 6,19
